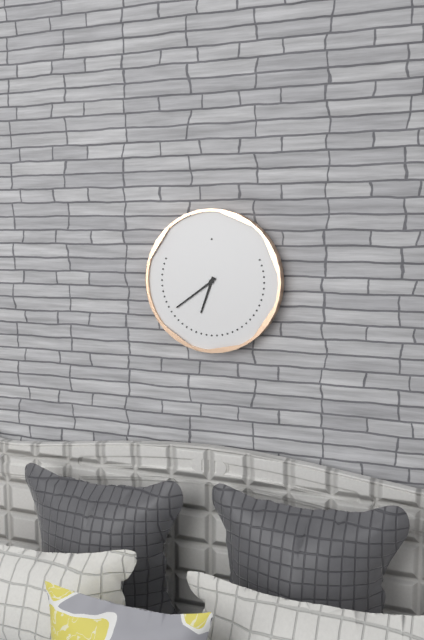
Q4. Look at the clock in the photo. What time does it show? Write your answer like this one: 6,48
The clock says 6,39
